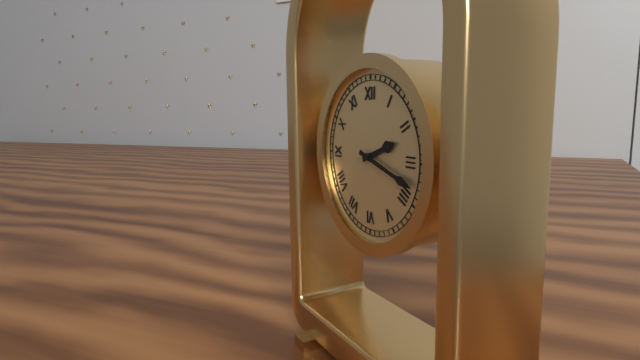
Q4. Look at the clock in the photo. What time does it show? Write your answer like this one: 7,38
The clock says 2,18
